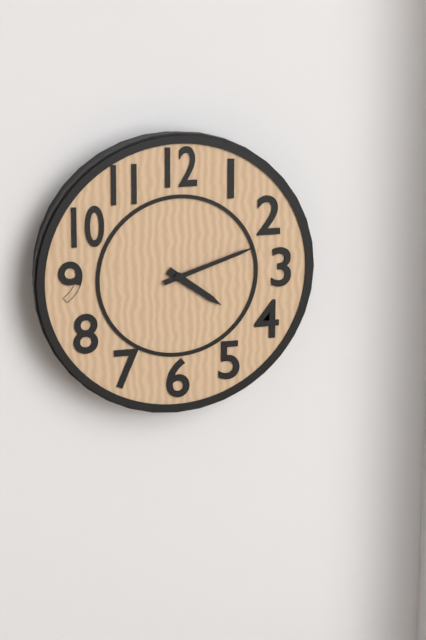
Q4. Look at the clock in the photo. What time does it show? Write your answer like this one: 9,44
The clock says 4,12
